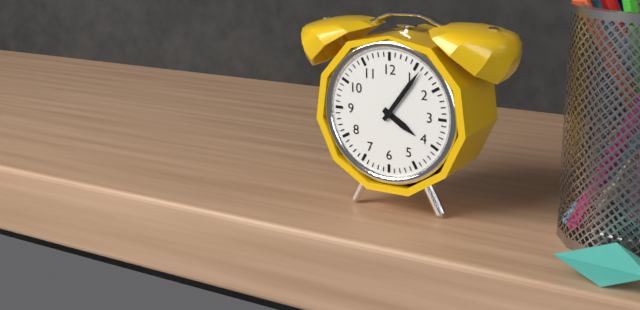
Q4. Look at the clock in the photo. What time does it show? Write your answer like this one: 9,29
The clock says 4,06
